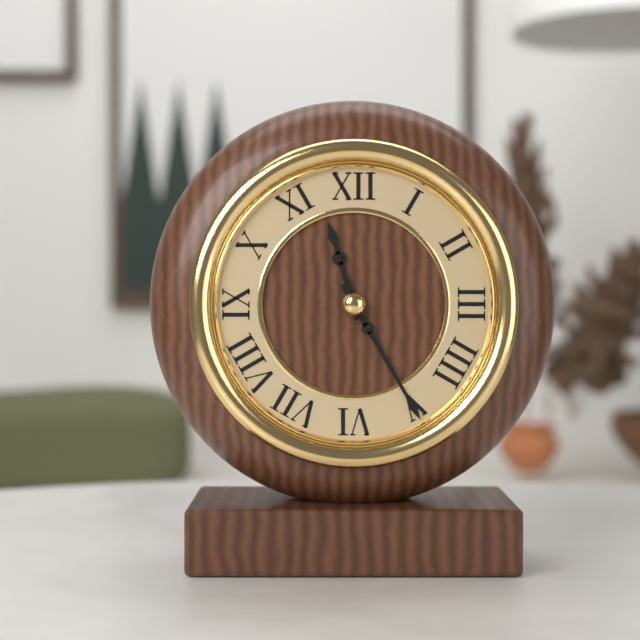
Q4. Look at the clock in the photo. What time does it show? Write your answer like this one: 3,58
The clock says 11,25
